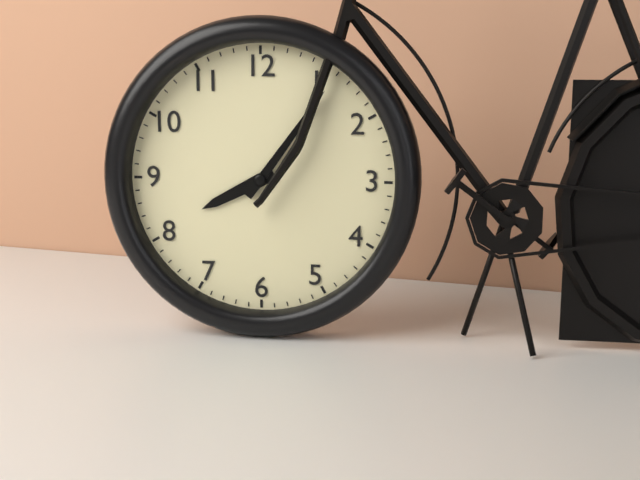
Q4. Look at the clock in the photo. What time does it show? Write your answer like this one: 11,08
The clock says 8,06
